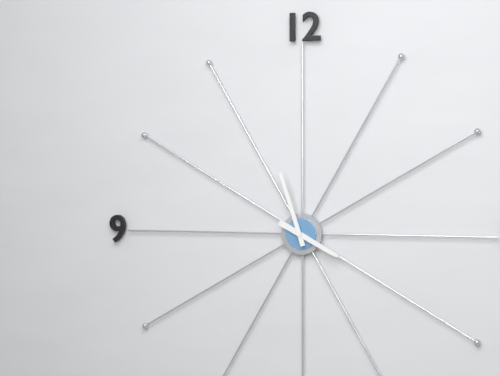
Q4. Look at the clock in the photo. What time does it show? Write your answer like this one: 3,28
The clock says 3,57
